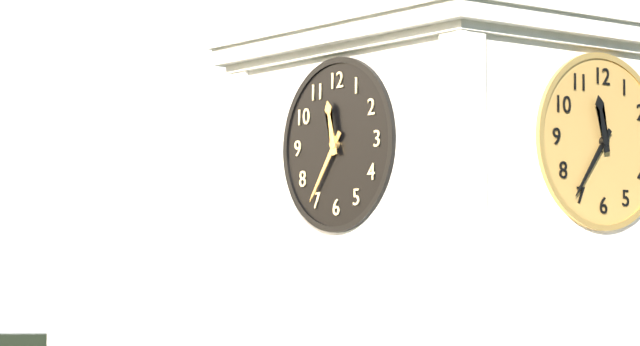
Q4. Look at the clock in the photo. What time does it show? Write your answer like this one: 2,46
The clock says 11,36
